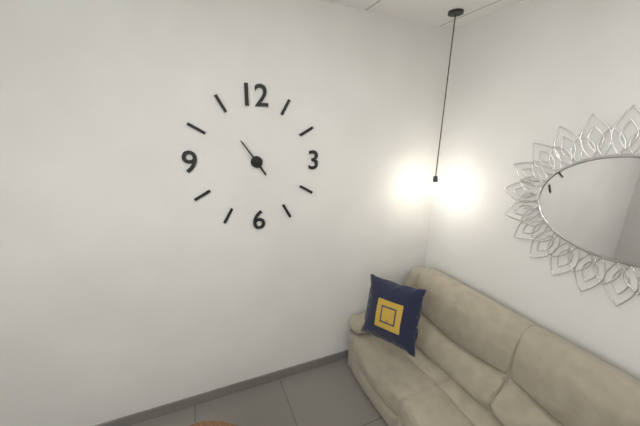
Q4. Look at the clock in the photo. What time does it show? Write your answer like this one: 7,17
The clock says 4,54
